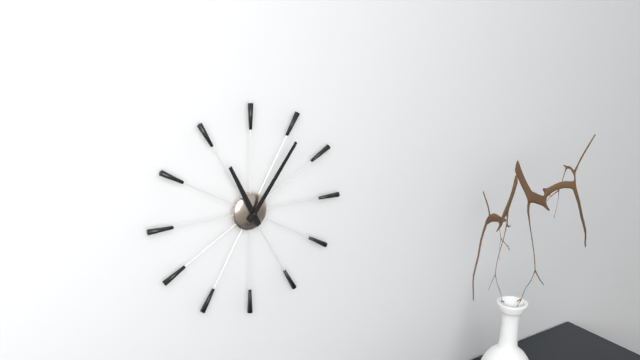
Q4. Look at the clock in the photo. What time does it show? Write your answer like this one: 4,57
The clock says 11,06
